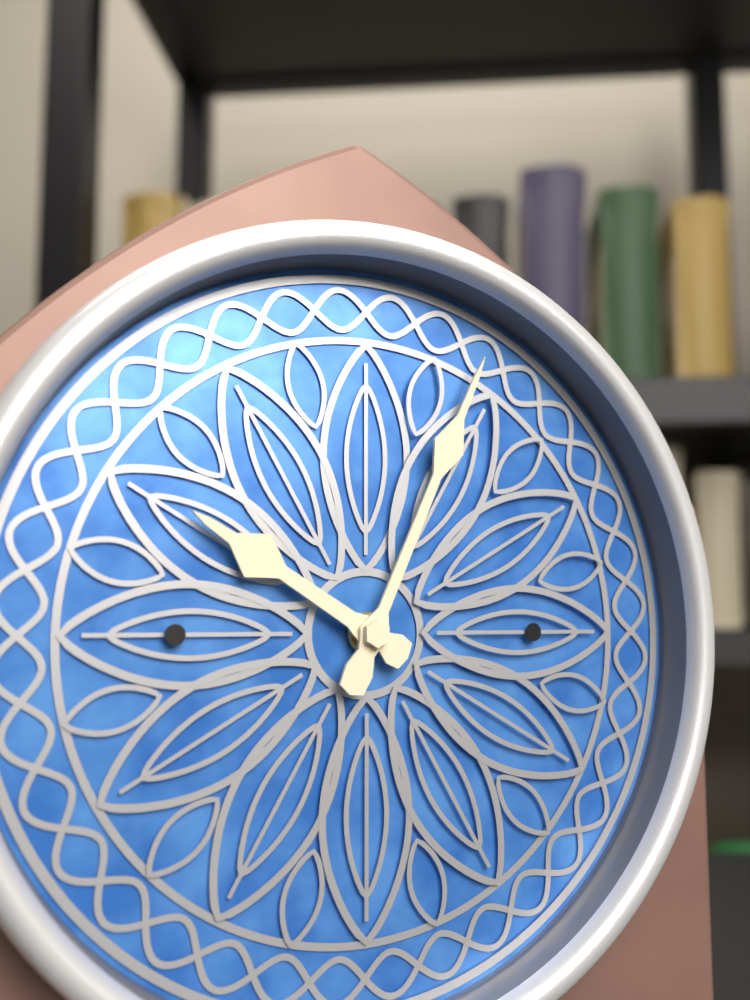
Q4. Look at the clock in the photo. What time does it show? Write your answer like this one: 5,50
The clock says 10,04
